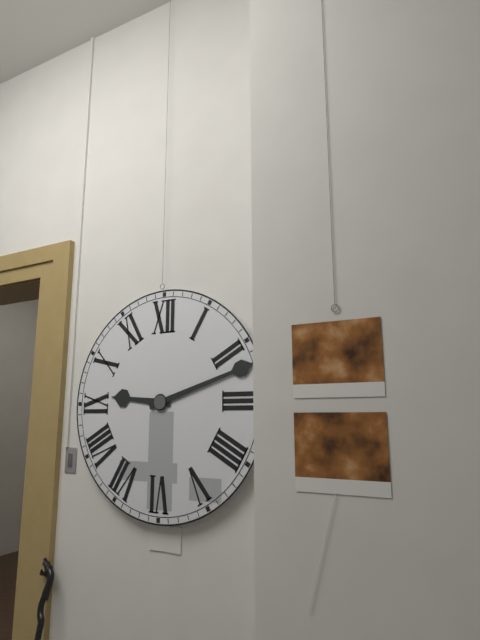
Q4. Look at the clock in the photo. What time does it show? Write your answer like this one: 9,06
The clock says 9,12
